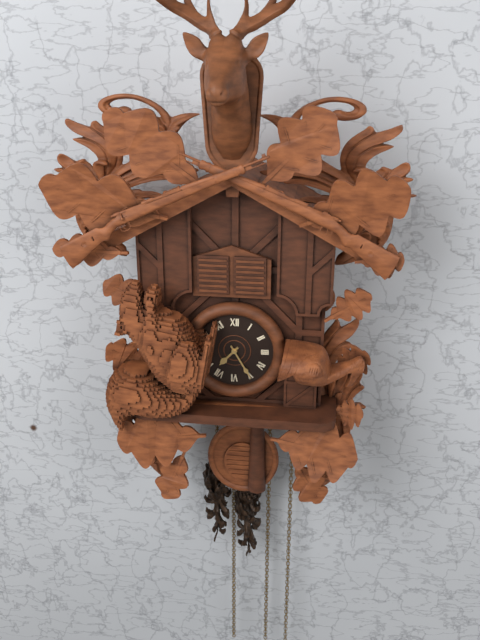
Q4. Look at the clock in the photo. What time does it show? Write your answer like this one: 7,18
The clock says 7,25
